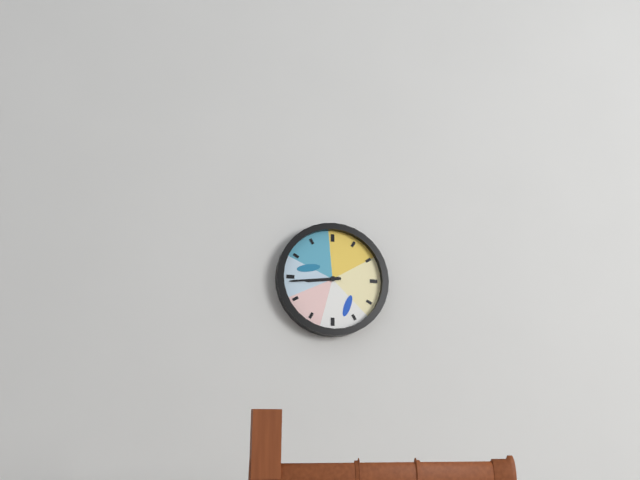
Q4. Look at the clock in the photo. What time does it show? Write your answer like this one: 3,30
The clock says 8,44
